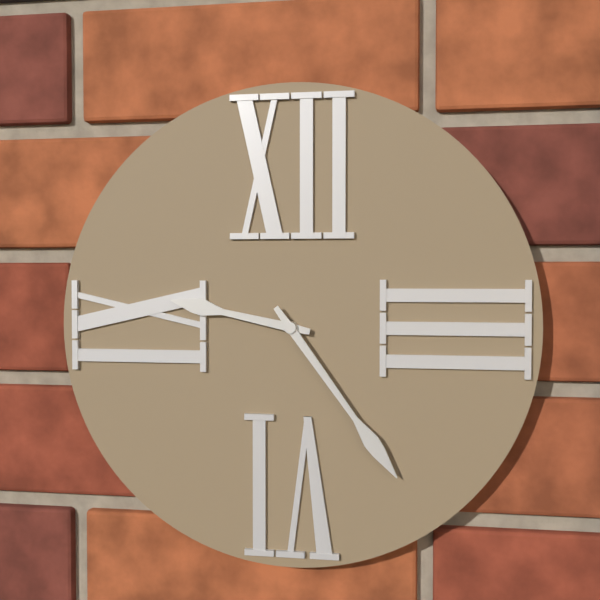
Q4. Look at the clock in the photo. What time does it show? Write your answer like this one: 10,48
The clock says 9,24
